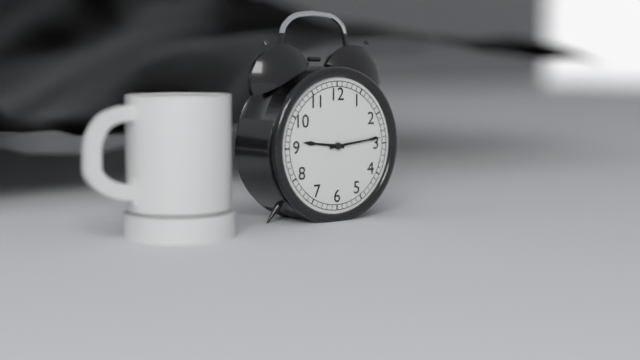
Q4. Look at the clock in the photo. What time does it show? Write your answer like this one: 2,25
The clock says 9,14
